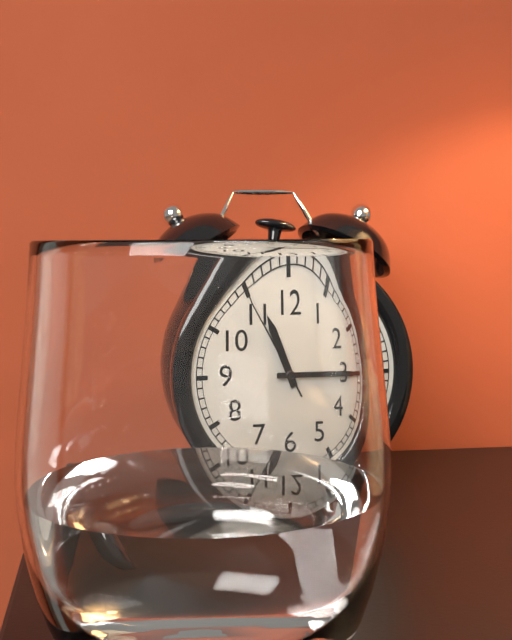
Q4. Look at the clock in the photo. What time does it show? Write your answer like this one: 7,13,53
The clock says 11,15,55
